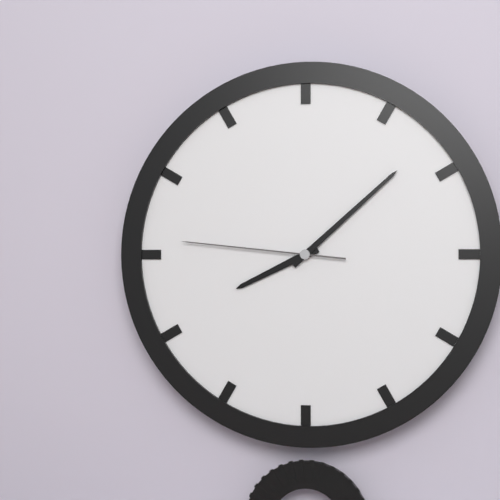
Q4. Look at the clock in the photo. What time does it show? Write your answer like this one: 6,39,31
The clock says 8,08,46
